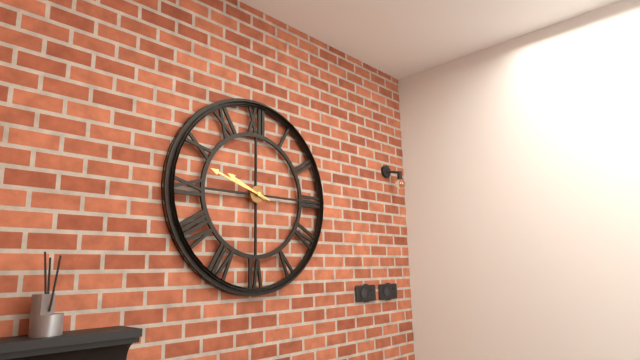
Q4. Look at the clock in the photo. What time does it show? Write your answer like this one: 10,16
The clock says 9,48
